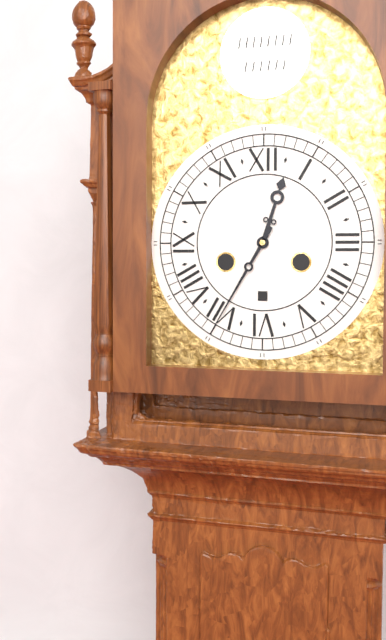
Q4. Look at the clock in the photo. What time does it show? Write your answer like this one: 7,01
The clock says 12,35
